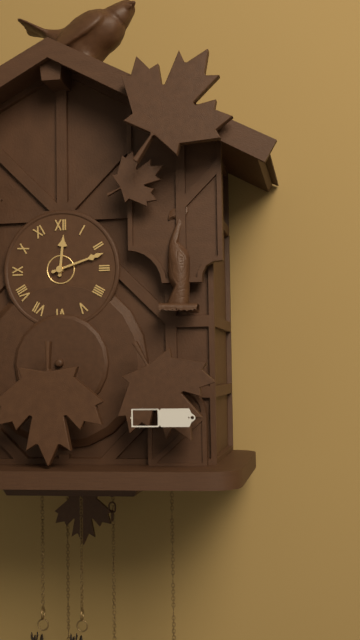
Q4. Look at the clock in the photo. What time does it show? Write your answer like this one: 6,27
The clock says 12,12
